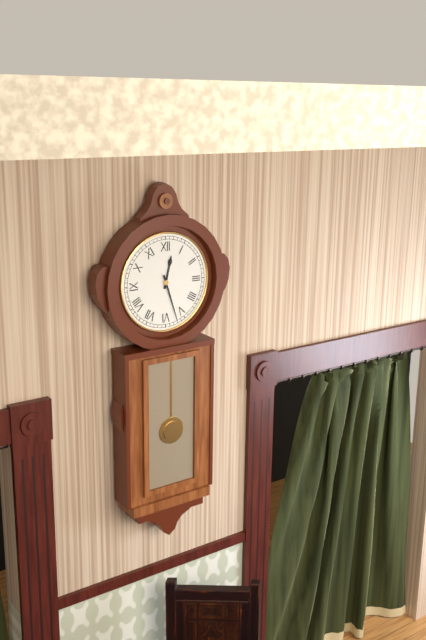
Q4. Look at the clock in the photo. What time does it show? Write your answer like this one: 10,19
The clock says 12,27
